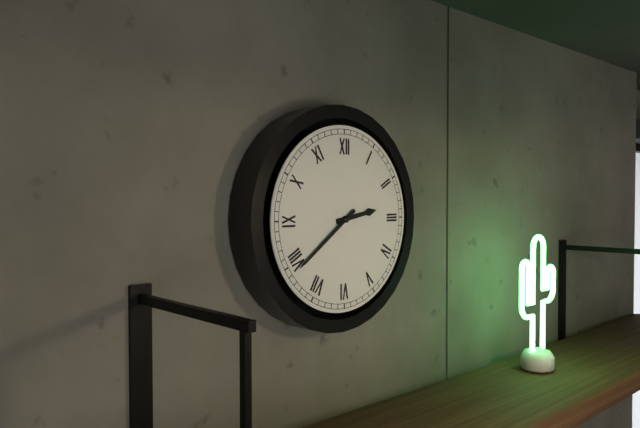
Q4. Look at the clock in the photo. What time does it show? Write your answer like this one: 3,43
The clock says 2,39
